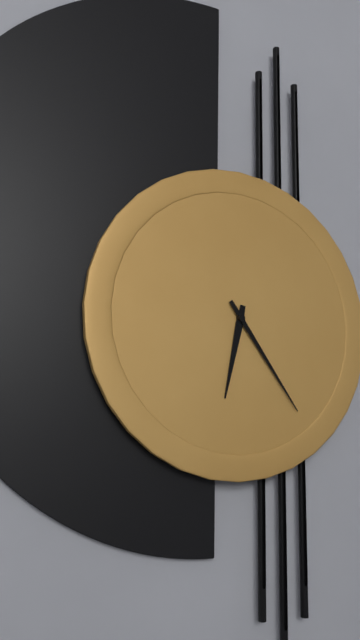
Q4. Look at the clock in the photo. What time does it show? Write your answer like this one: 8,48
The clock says 6,24
